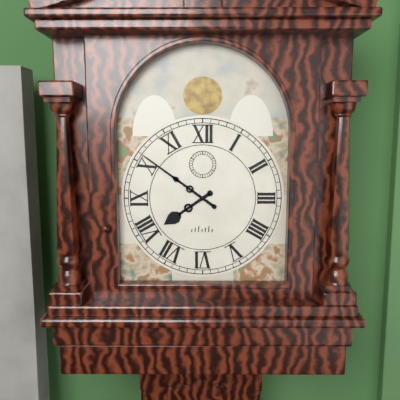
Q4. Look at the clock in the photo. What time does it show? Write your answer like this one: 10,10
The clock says 7,51
